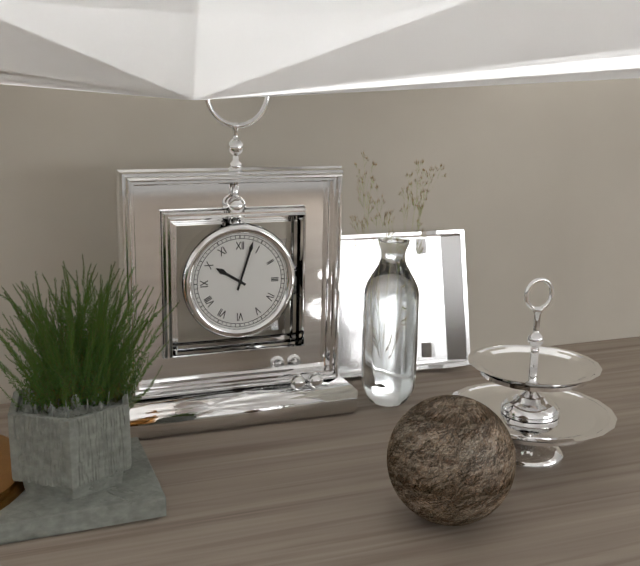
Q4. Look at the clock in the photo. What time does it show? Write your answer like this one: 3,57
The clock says 10,03
